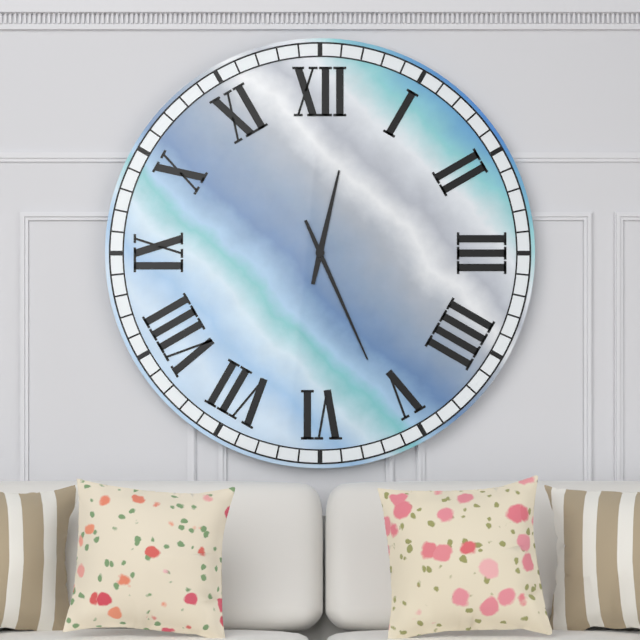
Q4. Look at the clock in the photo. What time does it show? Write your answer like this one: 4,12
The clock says 12,26
